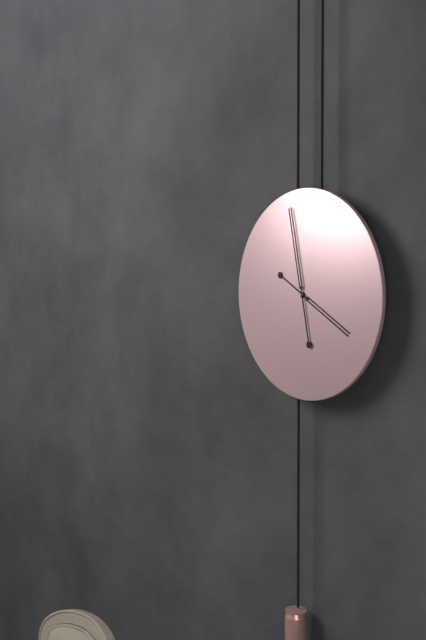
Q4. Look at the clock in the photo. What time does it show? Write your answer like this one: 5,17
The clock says 3,58
